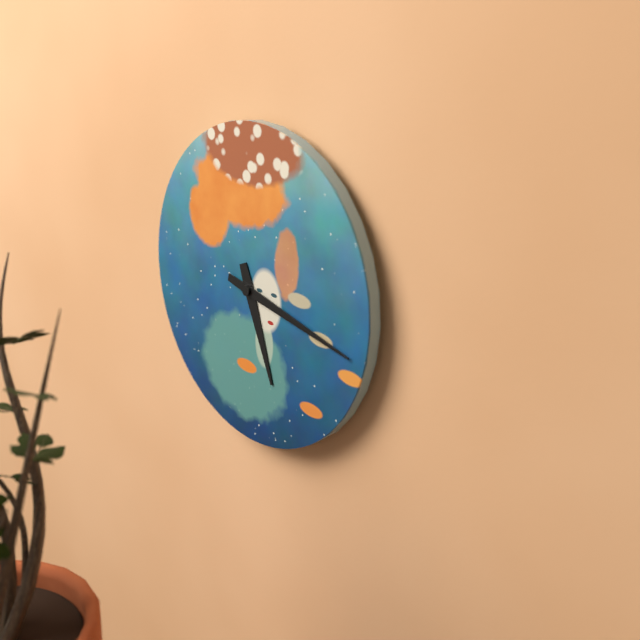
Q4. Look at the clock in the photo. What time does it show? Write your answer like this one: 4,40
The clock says 5,17
